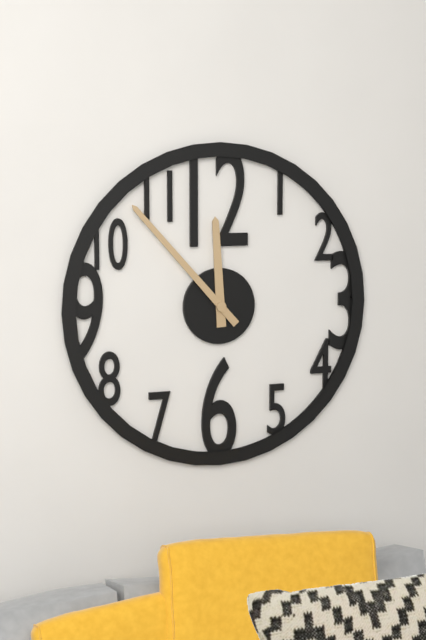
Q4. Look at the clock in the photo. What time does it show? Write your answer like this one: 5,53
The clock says 11,53
